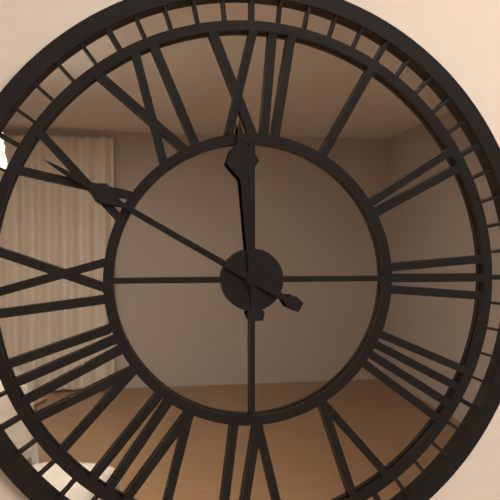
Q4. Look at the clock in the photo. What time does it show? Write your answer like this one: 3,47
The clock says 11,50
